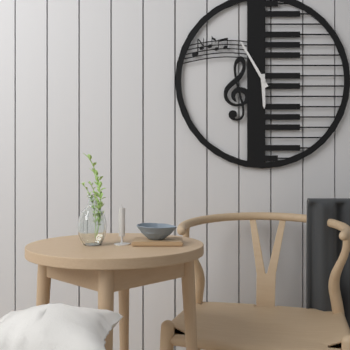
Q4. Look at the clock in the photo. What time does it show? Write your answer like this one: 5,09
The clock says 5,55
